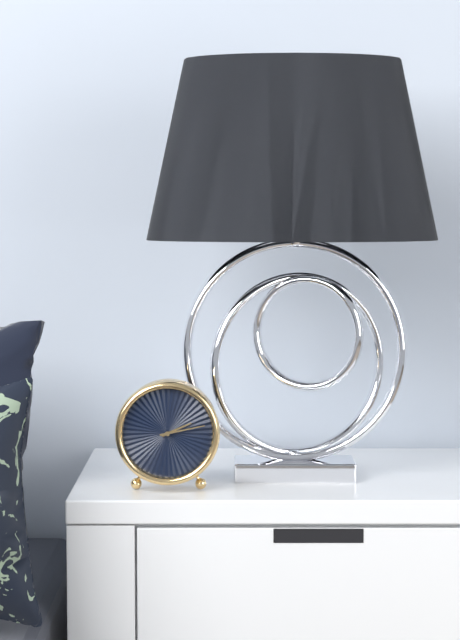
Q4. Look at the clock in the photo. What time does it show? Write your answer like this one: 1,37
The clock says 2,13
